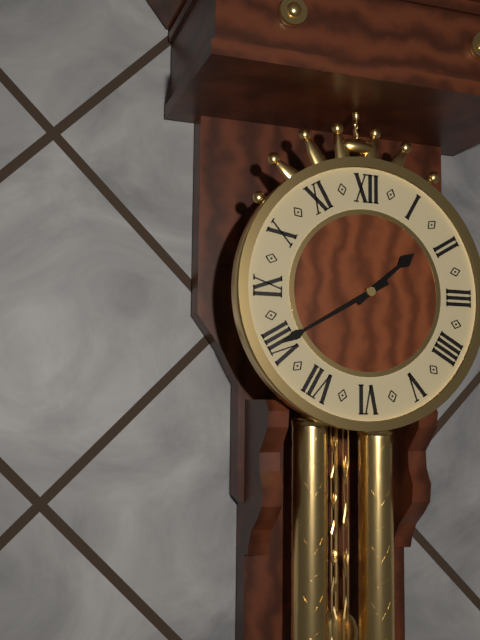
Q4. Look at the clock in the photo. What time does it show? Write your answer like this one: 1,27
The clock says 1,40
